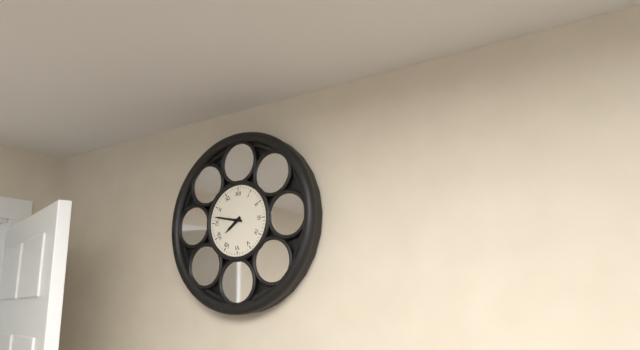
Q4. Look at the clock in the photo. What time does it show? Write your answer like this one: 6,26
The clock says 7,47
